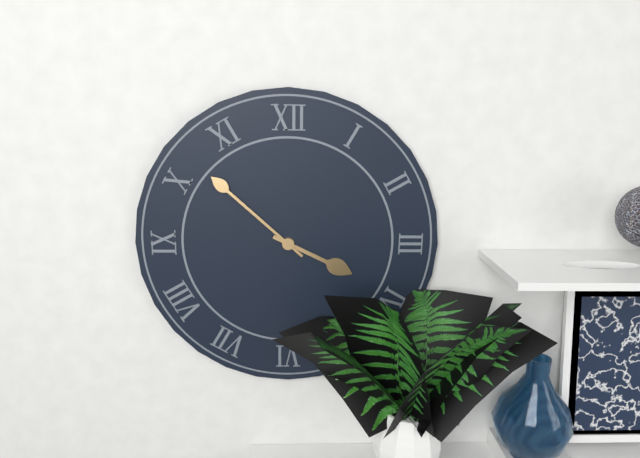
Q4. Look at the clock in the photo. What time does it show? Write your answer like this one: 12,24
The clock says 3,52
